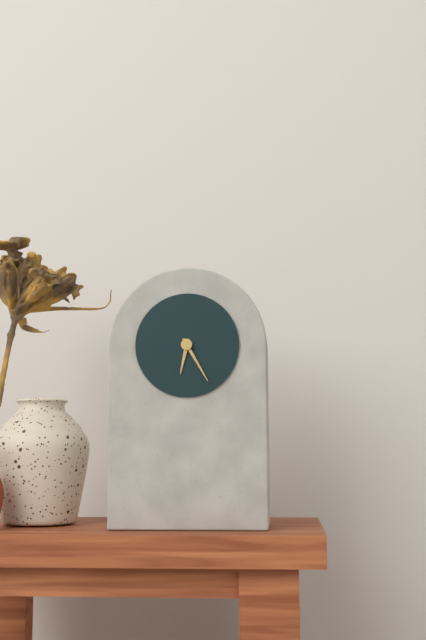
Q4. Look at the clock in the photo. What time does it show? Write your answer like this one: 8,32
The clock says 6,25
